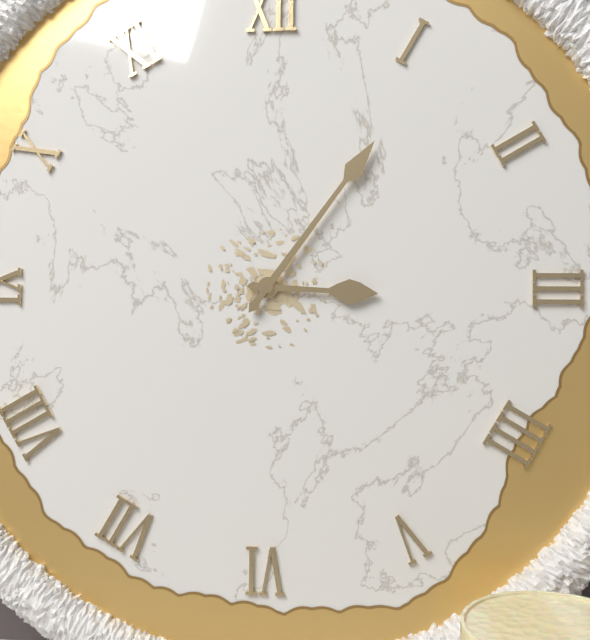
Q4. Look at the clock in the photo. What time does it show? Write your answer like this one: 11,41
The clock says 3,06
